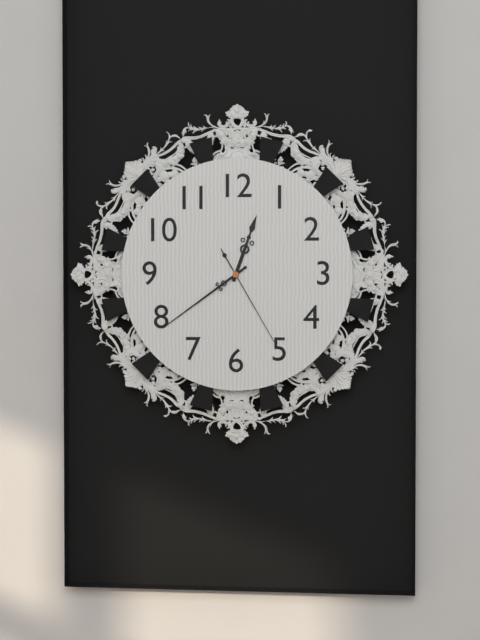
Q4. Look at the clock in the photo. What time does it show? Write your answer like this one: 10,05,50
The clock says 12,39,25
